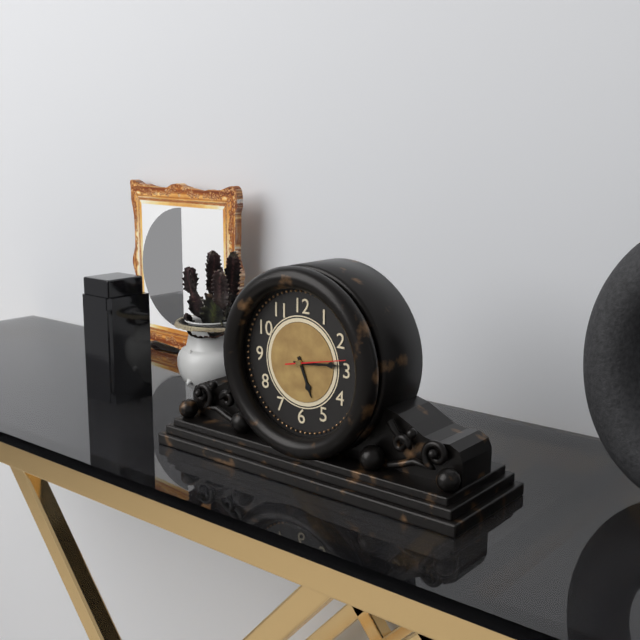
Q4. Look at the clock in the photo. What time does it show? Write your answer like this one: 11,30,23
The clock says 5,14,13
